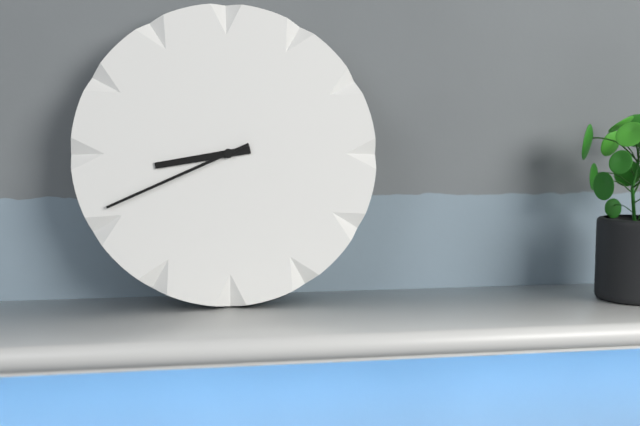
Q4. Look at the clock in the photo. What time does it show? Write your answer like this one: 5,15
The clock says 8,41
